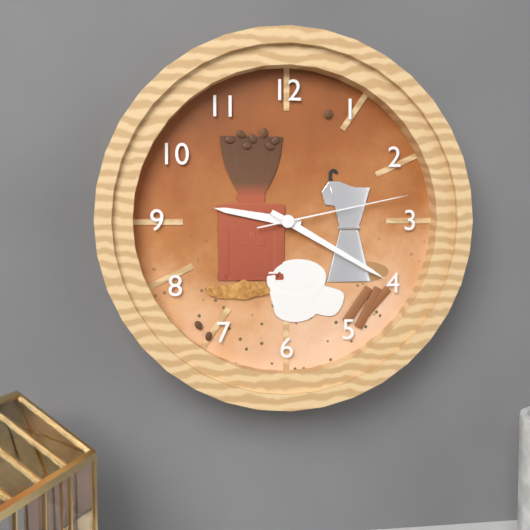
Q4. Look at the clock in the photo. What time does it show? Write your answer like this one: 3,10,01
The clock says 9,20,13
